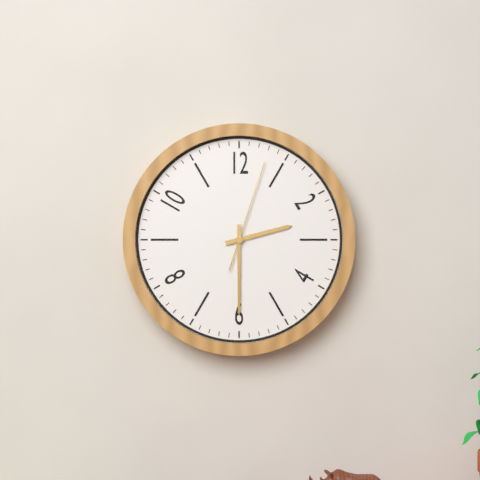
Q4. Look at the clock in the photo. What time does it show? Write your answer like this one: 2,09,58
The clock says 2,30,03
